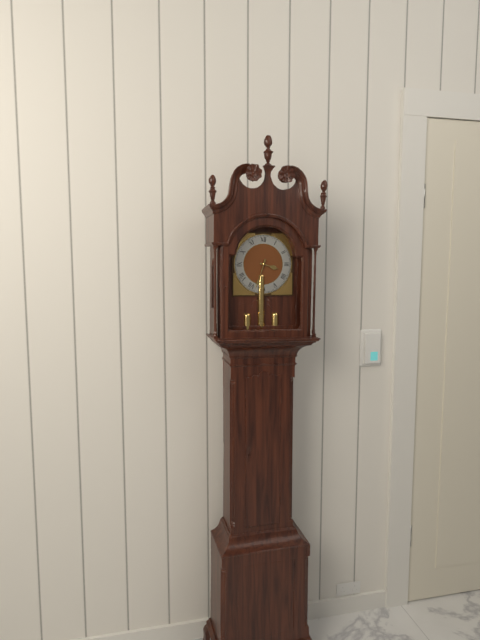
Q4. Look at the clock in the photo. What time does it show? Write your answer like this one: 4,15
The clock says 3,33
